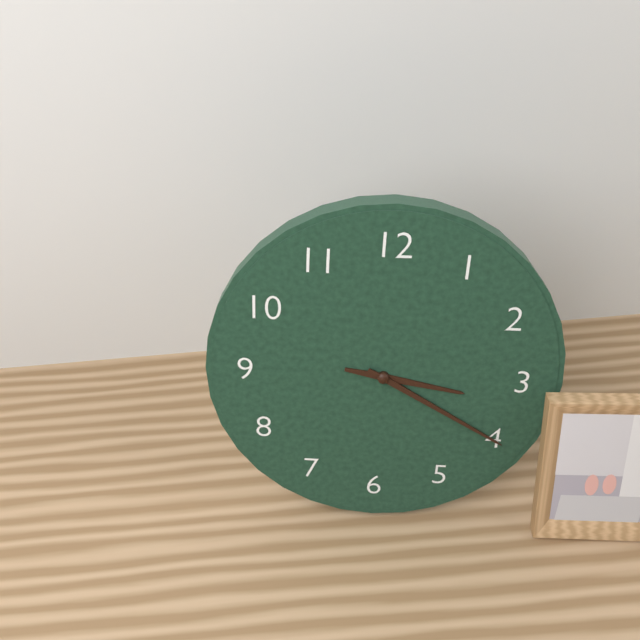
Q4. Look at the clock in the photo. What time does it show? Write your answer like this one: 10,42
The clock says 3,20
